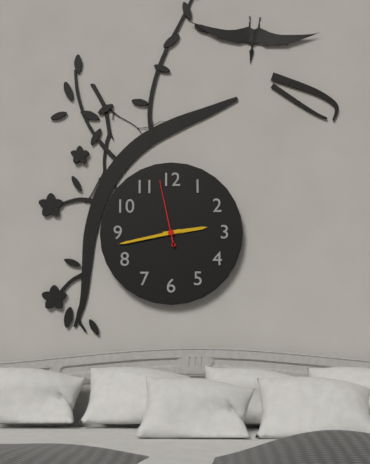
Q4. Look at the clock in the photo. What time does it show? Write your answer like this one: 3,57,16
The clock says 2,43,58
